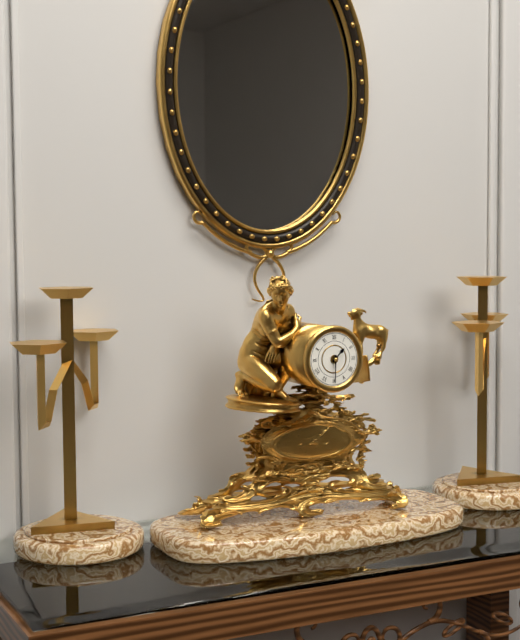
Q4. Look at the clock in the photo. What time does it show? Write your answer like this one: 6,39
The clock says 1,30
